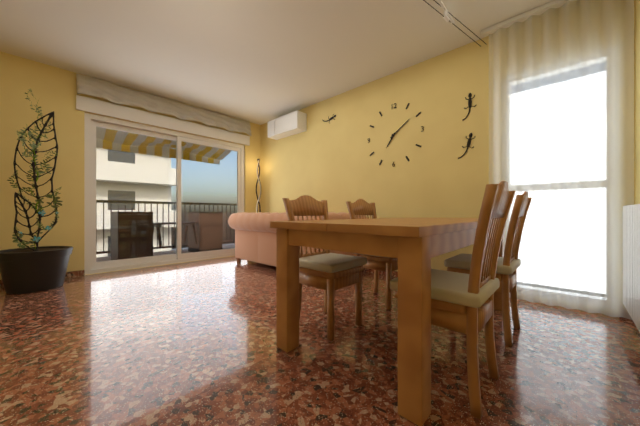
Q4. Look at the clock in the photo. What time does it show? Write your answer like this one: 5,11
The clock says 7,09
